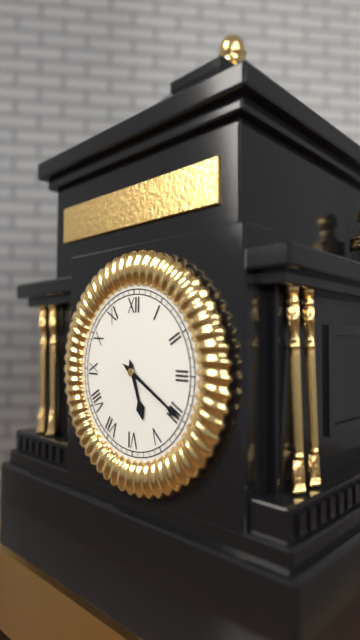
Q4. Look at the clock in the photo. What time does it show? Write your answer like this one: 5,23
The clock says 5,20
